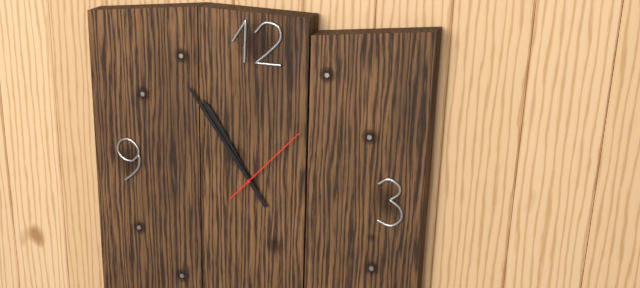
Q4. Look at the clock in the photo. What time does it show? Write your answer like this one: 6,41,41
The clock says 10,54,07
